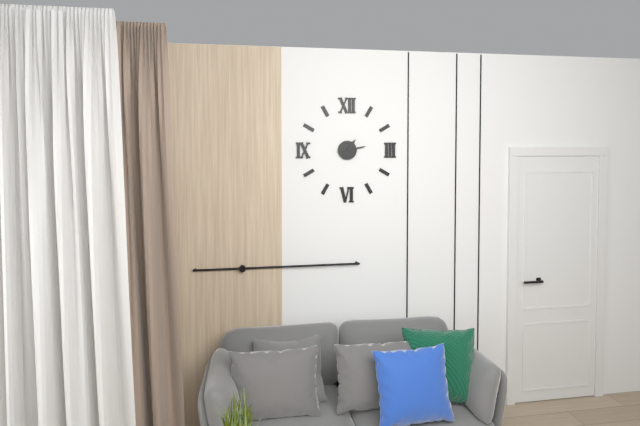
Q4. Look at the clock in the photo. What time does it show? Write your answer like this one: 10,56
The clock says 1,13
